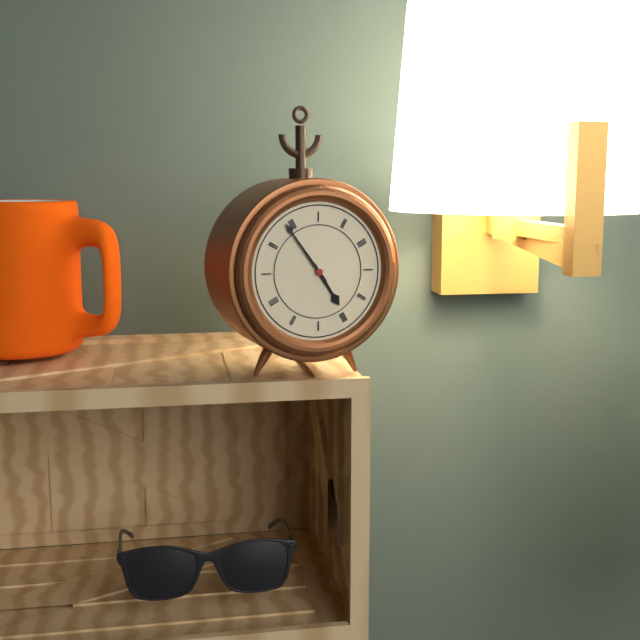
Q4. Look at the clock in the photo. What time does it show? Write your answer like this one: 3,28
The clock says 4,54
